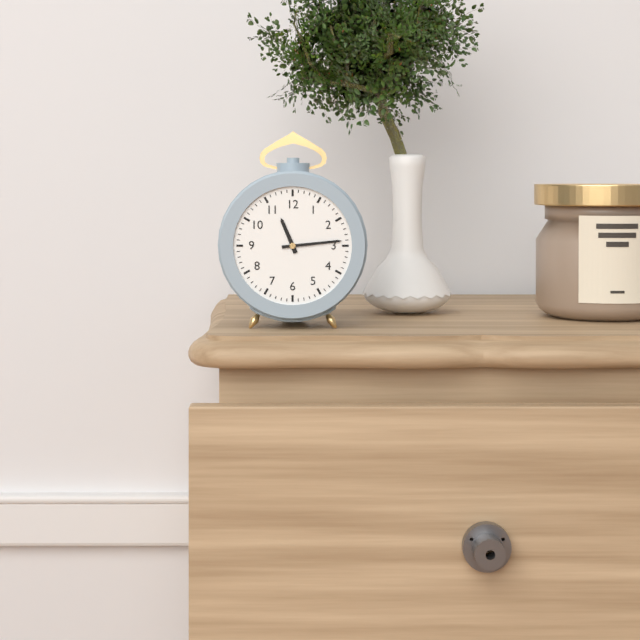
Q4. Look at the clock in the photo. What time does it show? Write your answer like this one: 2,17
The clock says 11,14
